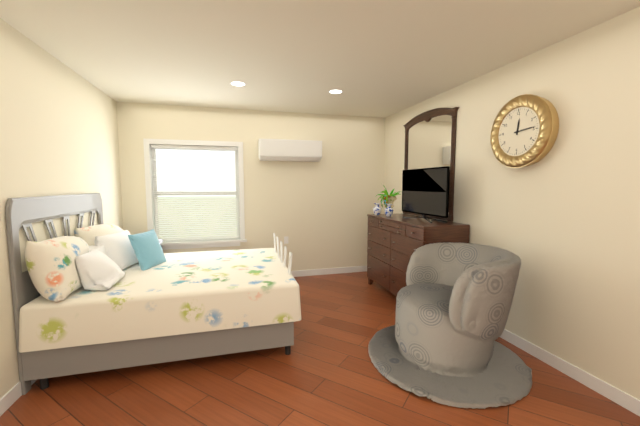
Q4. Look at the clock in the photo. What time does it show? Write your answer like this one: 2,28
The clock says 12,14
